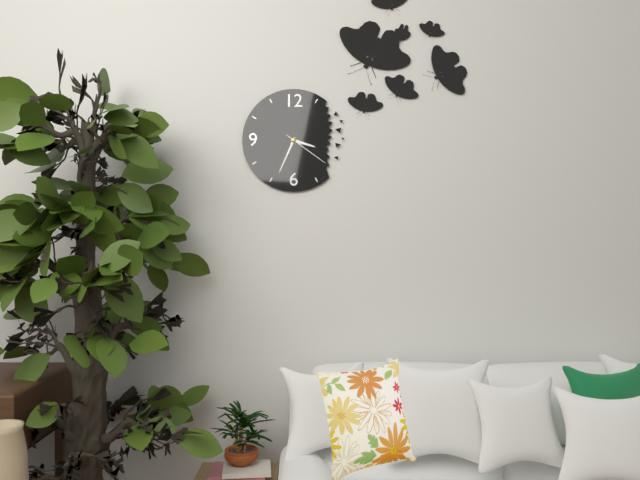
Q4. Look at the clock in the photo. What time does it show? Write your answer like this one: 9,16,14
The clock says 3,34,21
